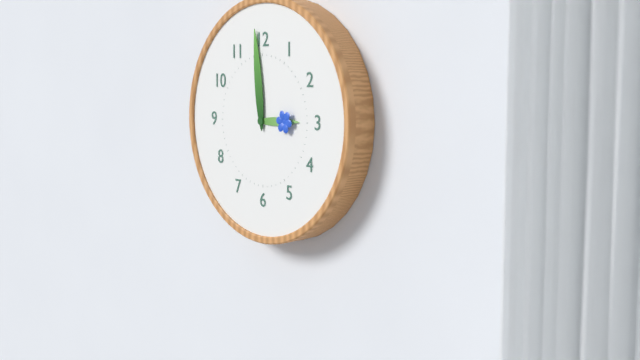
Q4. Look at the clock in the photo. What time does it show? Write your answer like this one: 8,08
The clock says 2,59
